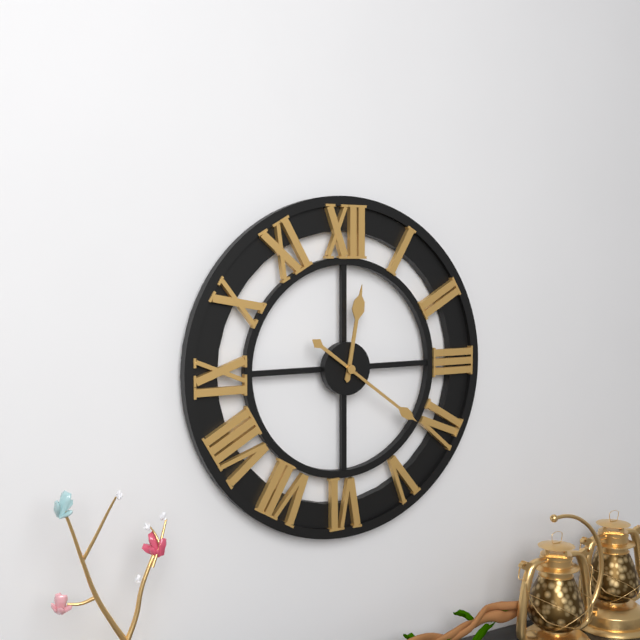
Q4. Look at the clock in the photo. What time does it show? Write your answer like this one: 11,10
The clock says 12,21
